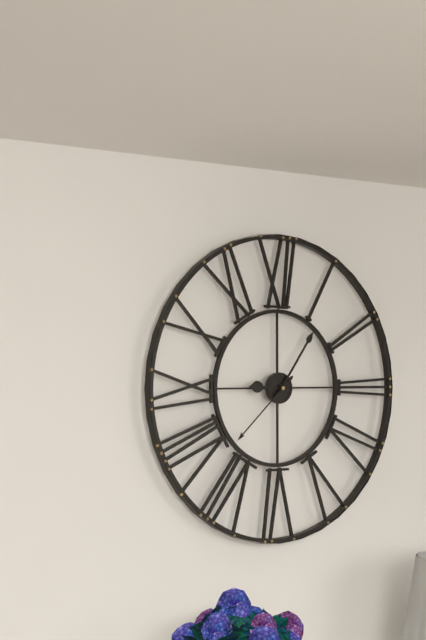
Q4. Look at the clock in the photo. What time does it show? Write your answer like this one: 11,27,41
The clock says 9,06,38
